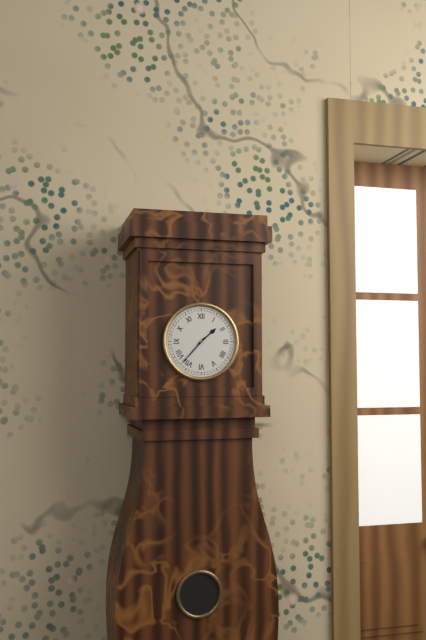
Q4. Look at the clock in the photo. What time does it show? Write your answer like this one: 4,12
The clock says 1,37
